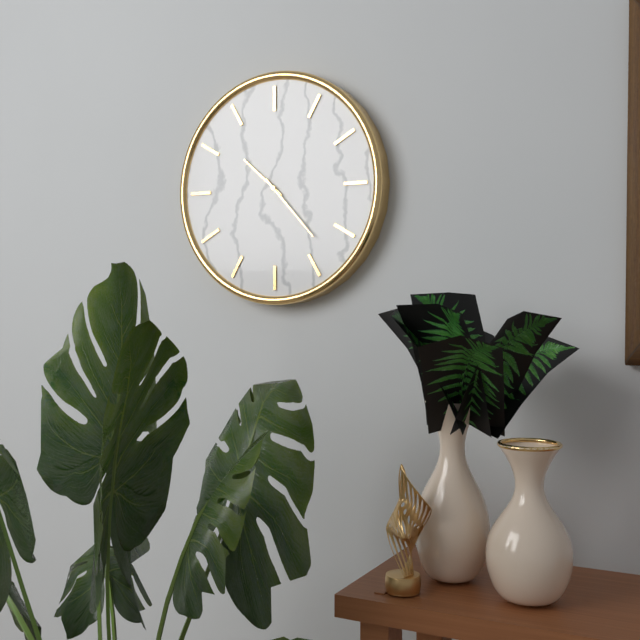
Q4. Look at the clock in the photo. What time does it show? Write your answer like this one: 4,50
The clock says 10,23
